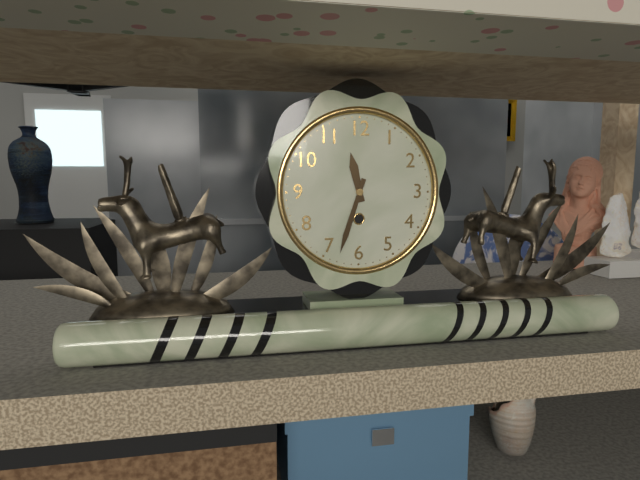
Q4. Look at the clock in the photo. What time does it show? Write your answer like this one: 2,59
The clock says 11,33
